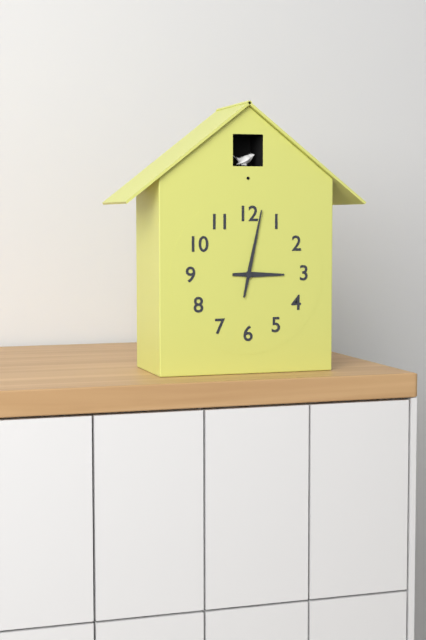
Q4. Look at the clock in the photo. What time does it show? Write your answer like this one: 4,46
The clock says 3,02
